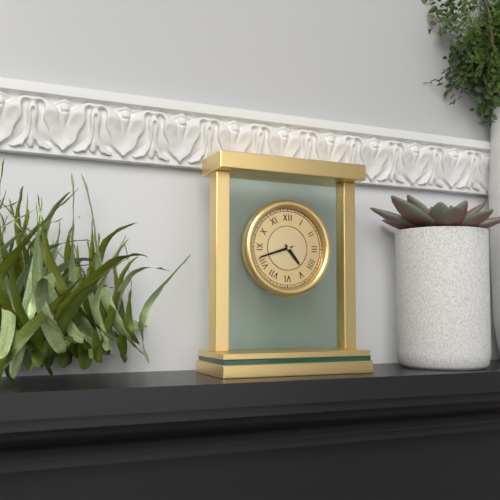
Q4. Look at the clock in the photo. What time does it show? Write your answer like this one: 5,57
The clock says 4,42
